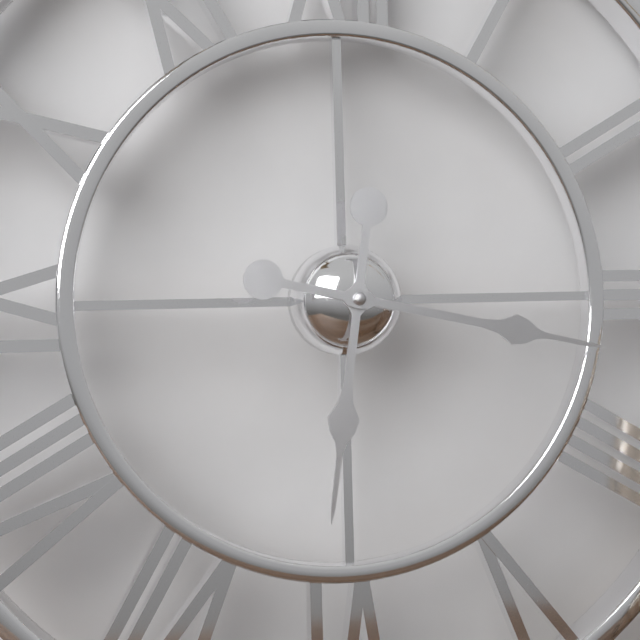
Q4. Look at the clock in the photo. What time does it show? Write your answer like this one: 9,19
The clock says 6,17
